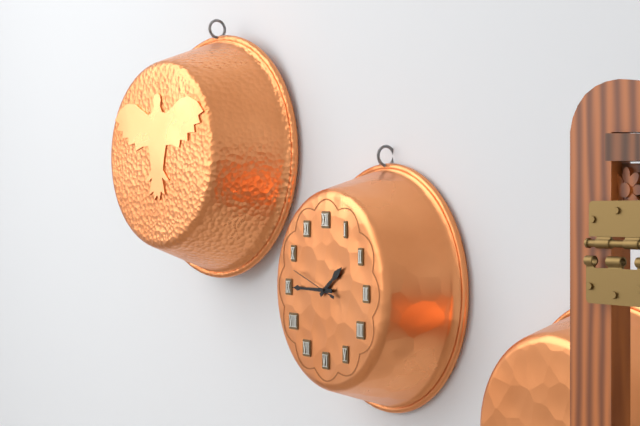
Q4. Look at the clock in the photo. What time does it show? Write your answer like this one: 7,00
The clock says 1,45
